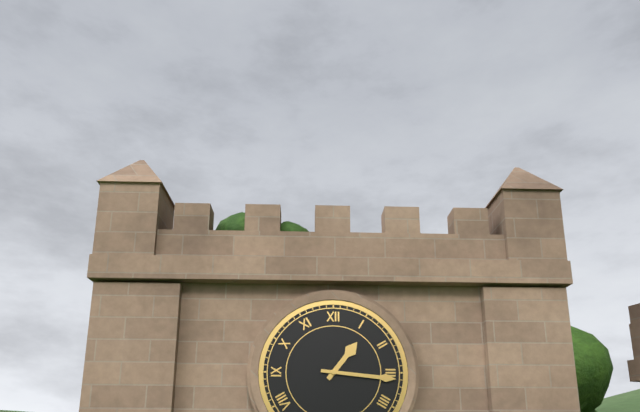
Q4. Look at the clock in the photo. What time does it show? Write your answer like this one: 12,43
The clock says 1,16
